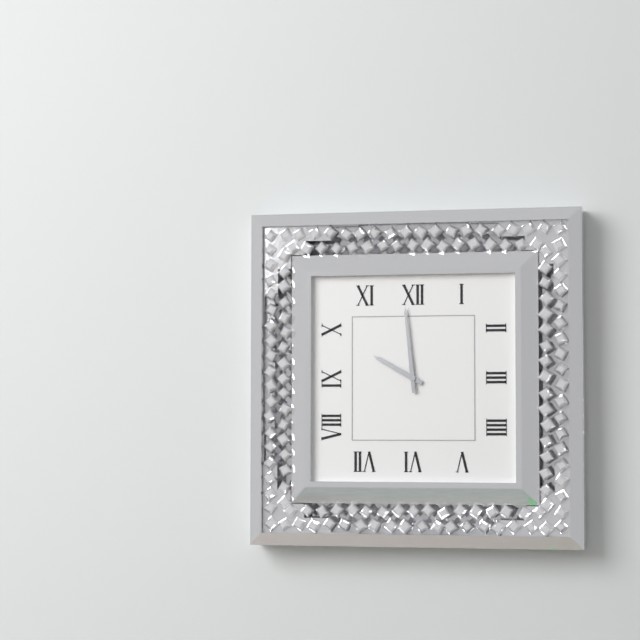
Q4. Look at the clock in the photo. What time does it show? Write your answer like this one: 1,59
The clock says 9,59
